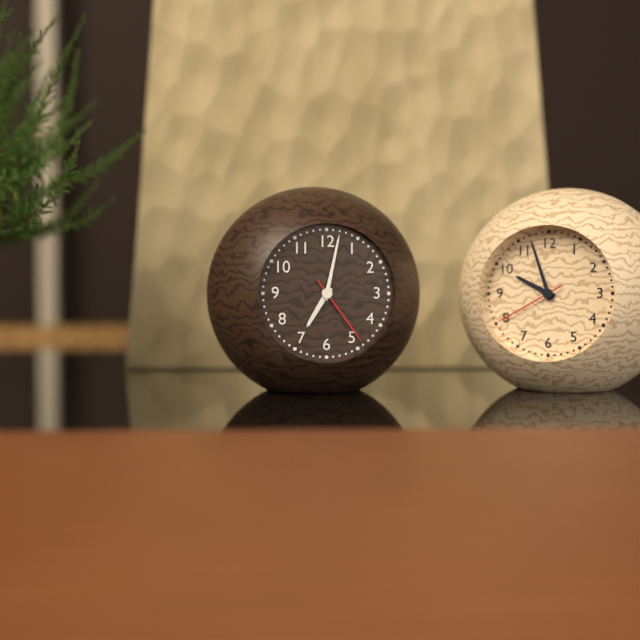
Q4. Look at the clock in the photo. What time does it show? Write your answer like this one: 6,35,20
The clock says 7,02,24
